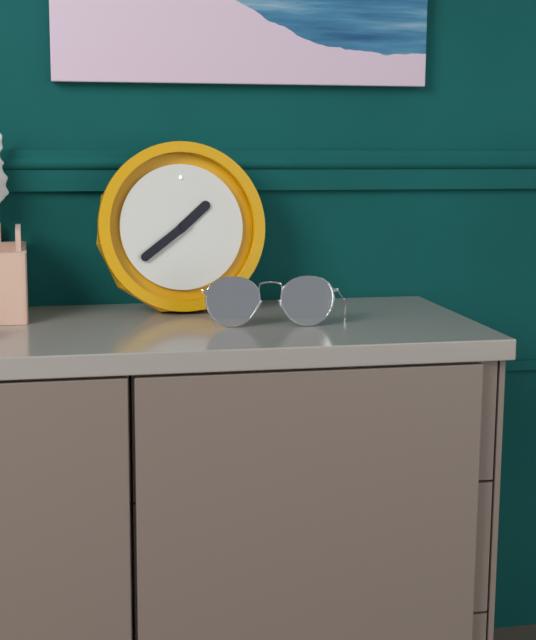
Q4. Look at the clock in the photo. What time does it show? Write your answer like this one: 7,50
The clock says 1,39
